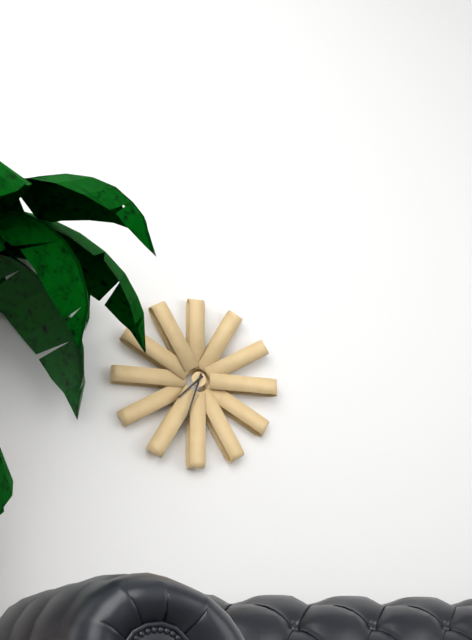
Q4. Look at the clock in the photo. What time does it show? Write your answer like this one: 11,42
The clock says 7,33
